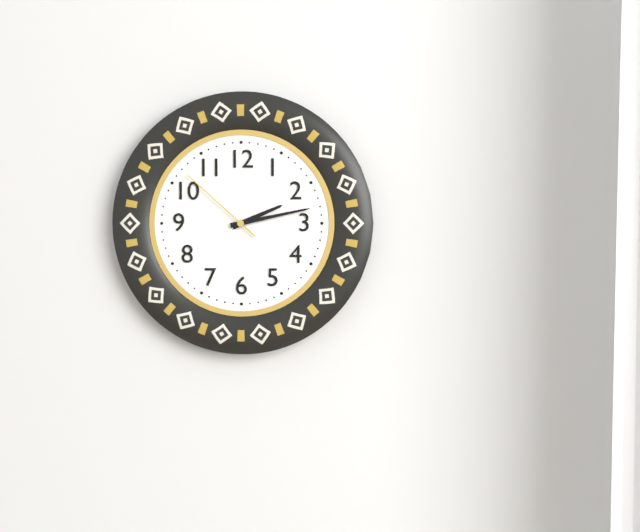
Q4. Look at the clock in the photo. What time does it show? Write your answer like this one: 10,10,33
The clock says 2,13,52
